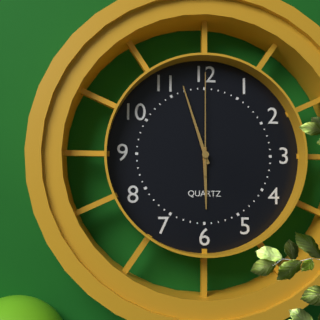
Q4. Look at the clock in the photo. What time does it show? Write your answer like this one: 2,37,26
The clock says 5,57,00
